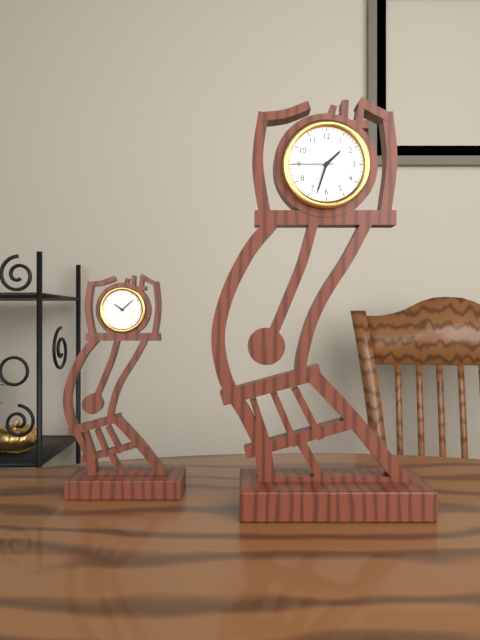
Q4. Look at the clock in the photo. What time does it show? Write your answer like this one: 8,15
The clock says 1,33
